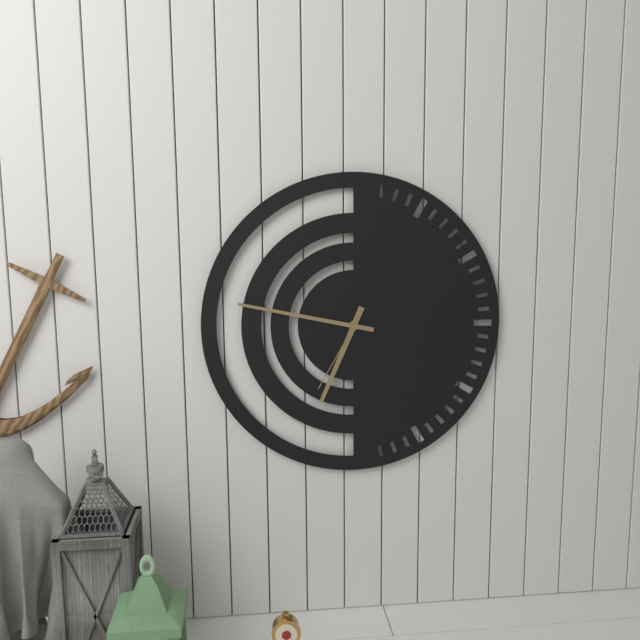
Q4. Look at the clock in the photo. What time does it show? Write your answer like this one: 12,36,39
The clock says 6,47,35
